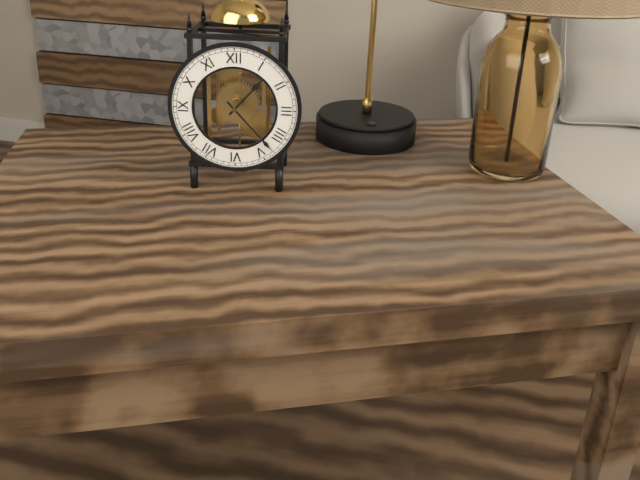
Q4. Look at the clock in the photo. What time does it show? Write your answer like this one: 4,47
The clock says 1,23
